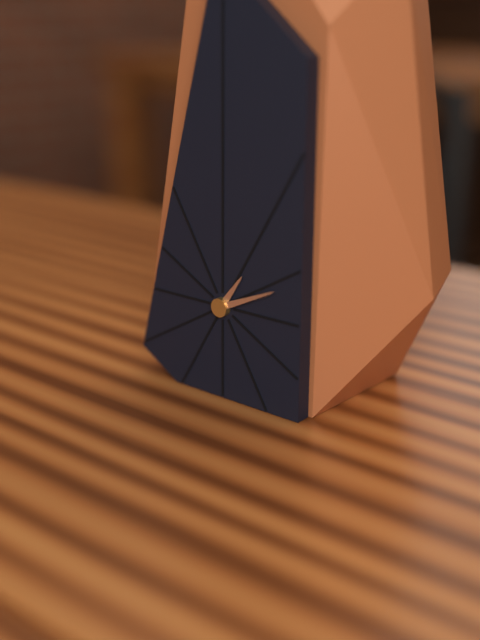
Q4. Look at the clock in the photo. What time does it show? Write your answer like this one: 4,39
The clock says 1,11
